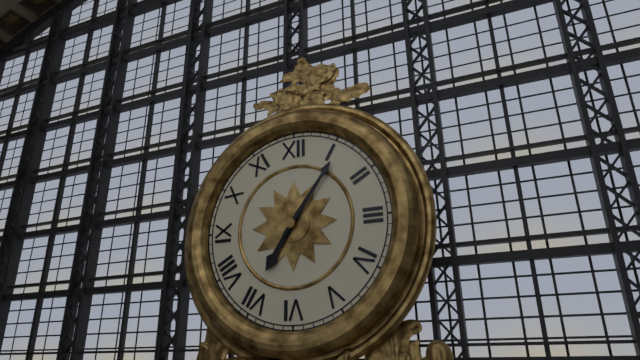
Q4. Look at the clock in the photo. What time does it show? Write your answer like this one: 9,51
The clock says 7,06
